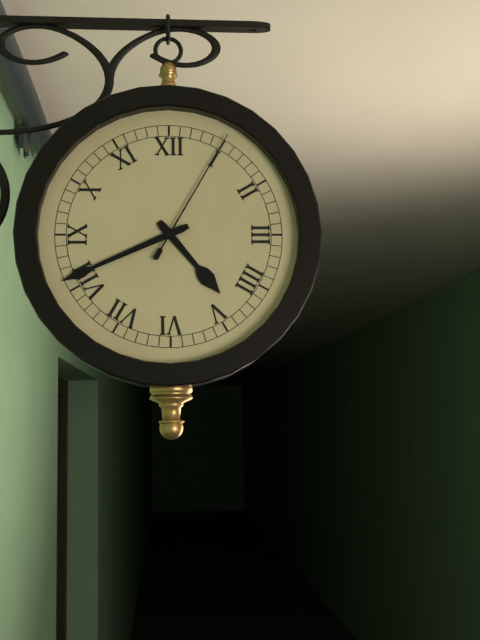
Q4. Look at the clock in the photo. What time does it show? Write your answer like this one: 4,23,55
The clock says 4,41,05
